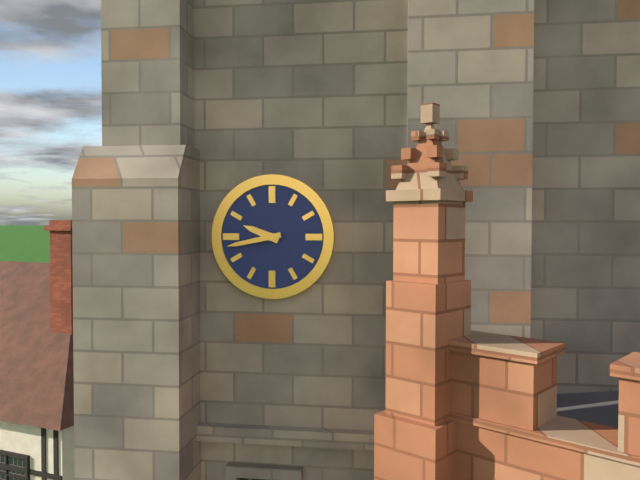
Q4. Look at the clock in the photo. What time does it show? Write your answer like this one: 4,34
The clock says 9,43
